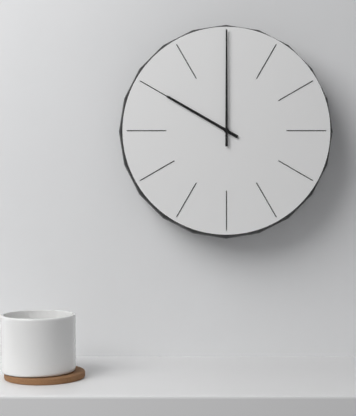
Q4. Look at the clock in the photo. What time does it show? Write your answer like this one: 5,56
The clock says 10,00
